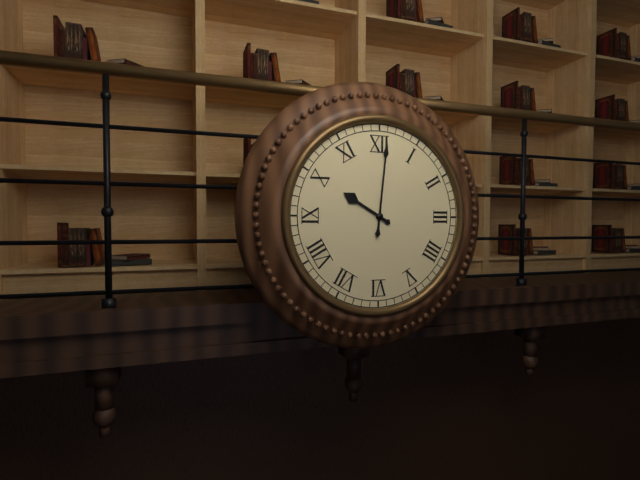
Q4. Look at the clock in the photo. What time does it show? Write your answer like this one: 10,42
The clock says 10,01
